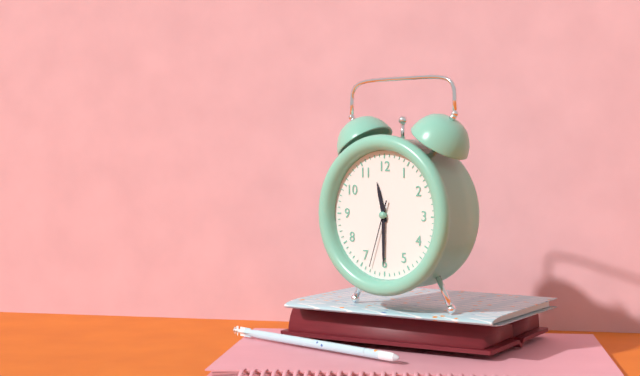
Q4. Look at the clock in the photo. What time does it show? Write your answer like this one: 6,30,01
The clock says 11,30,33
